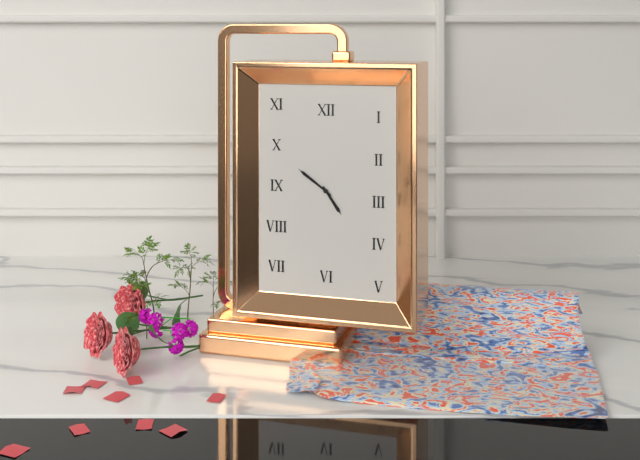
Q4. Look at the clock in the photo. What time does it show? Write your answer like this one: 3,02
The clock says 4,51
